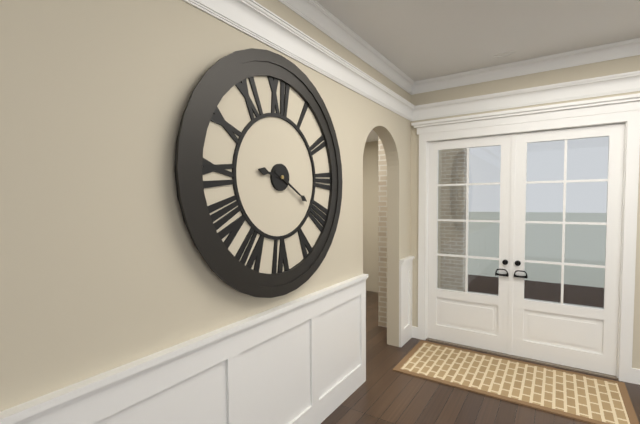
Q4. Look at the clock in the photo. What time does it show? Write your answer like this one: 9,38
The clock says 9,20
